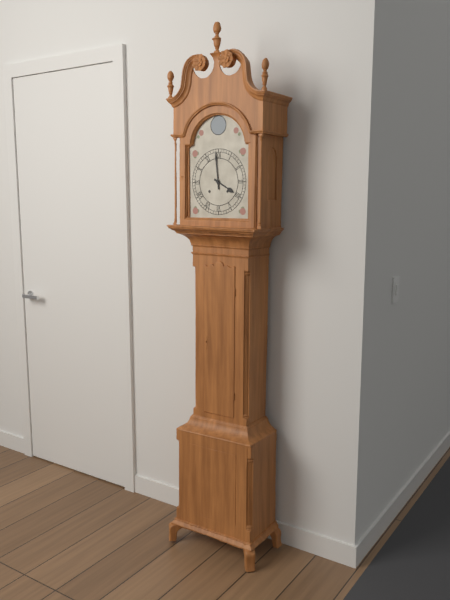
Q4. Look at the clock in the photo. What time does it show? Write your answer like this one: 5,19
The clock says 3,59
